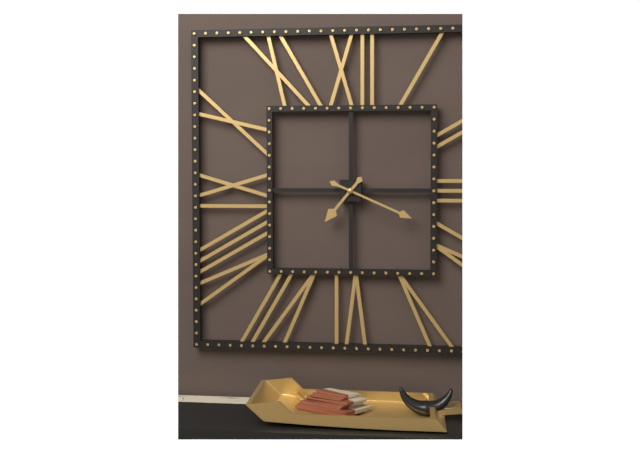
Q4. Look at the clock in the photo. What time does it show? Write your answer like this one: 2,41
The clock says 7,19
